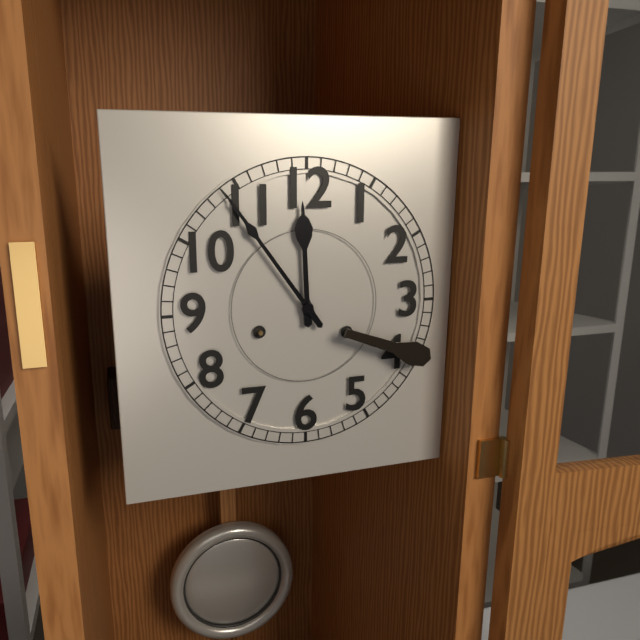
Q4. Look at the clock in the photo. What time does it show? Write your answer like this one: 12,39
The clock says 11,54
